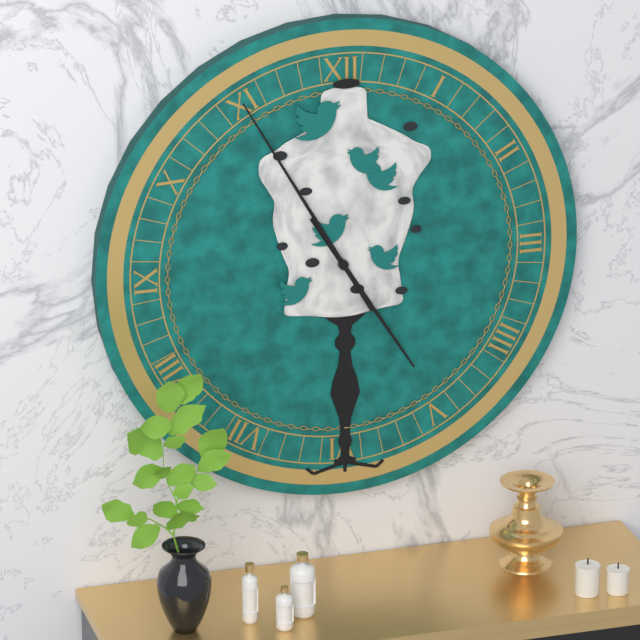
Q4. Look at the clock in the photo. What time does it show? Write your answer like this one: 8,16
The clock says 4,55
